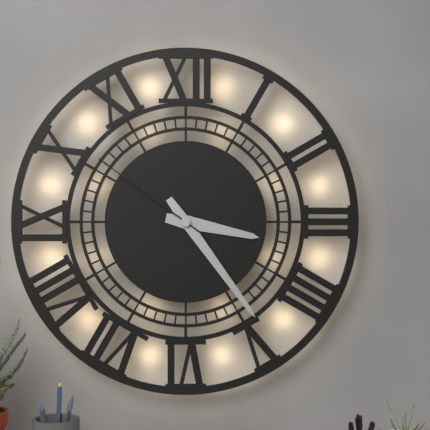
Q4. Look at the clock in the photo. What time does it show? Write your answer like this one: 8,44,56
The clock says 3,24,51
